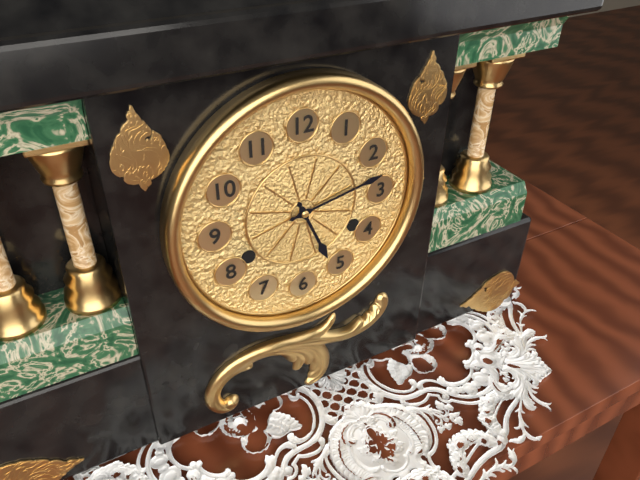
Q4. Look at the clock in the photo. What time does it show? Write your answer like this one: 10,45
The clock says 5,13
